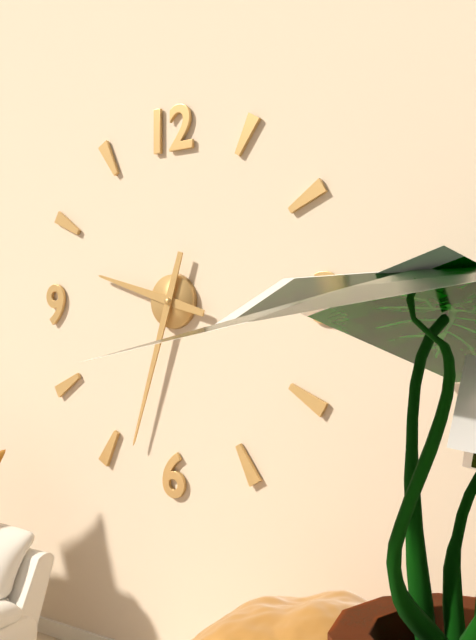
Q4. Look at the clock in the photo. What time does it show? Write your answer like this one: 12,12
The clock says 9,33
